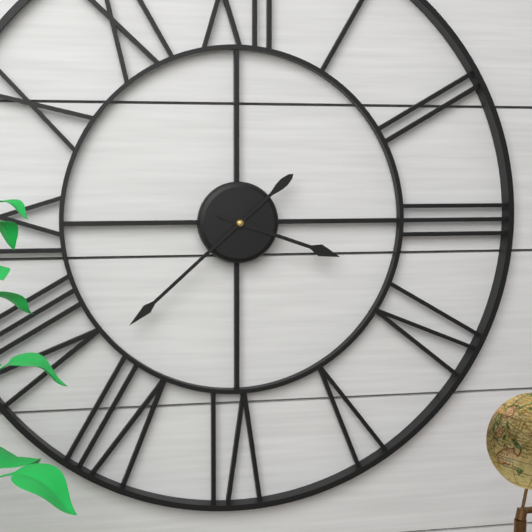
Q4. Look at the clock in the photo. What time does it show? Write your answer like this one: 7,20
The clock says 3,38
